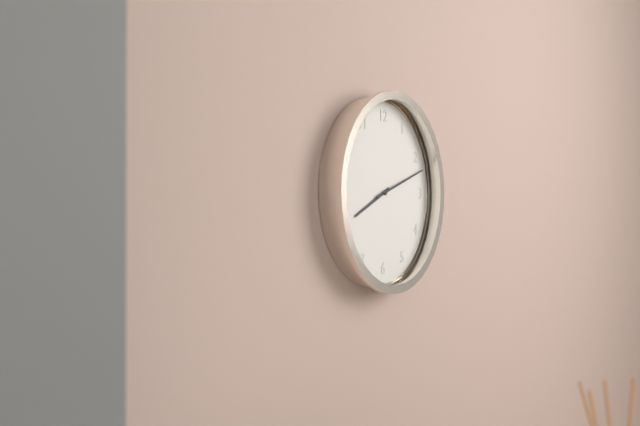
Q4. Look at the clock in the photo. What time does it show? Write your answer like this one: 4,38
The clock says 8,12
